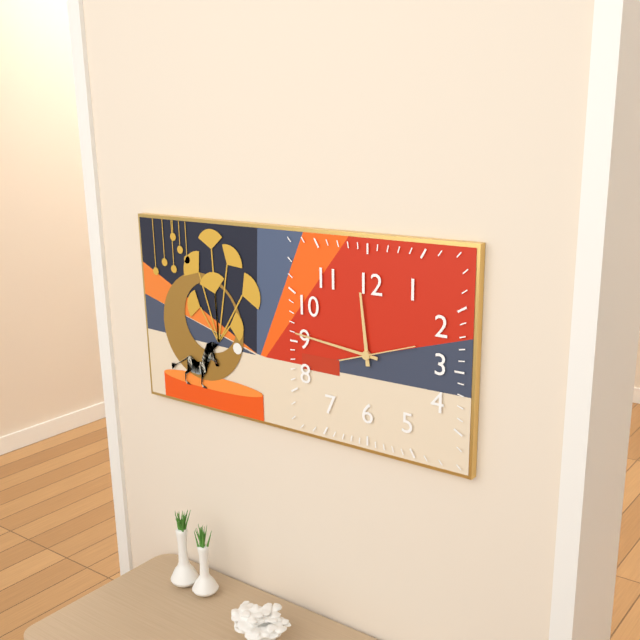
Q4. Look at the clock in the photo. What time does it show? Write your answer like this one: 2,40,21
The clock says 11,46,12
